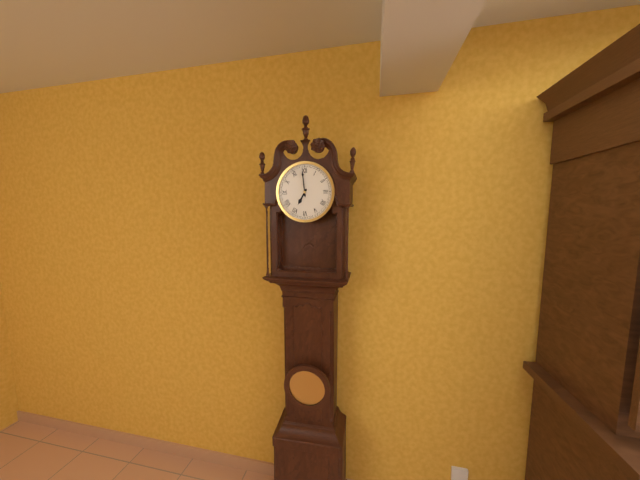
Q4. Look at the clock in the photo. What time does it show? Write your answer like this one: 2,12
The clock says 6,59
